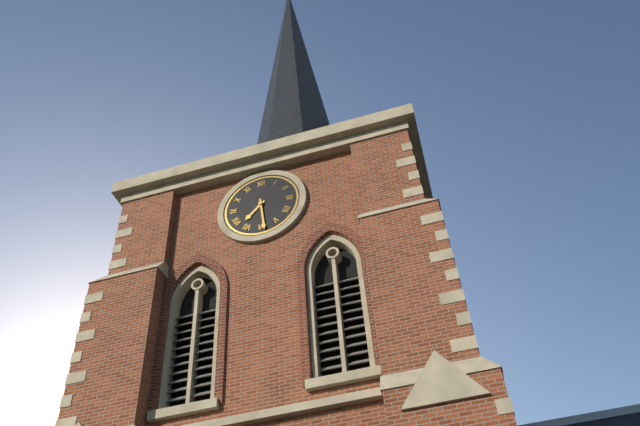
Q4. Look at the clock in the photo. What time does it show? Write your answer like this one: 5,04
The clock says 7,29
